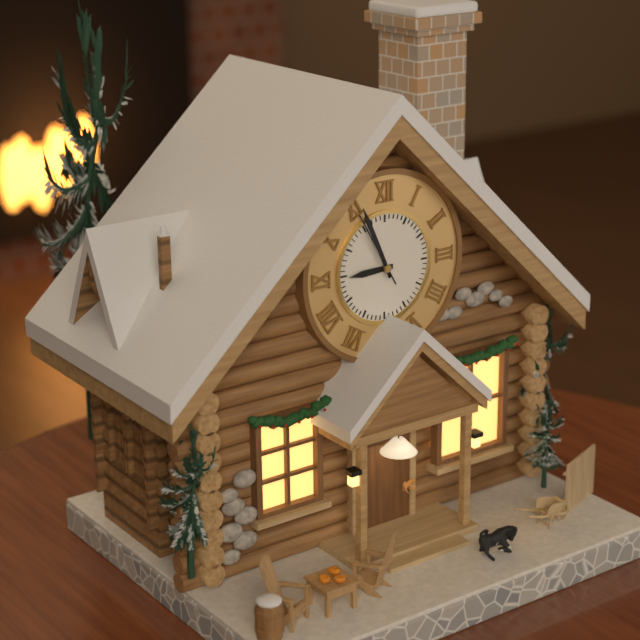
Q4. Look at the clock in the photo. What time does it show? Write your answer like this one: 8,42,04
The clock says 8,56,55
